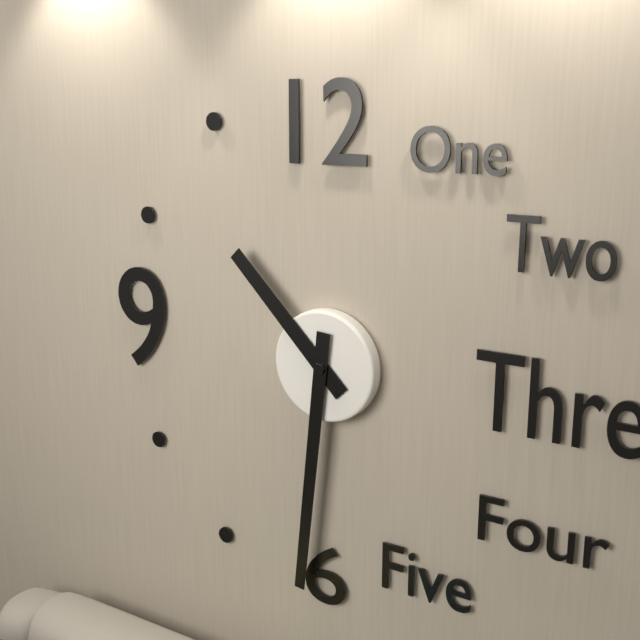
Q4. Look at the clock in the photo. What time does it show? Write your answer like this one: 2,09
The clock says 10,31
